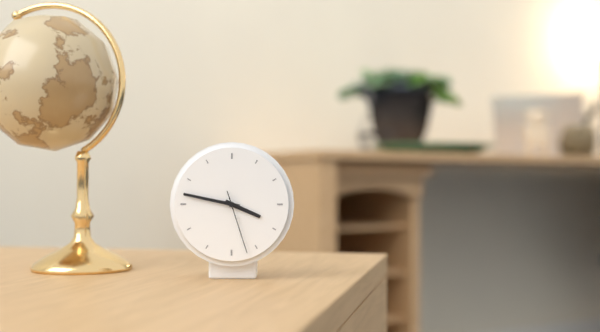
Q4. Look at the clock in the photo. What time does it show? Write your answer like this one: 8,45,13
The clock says 3,47,27
